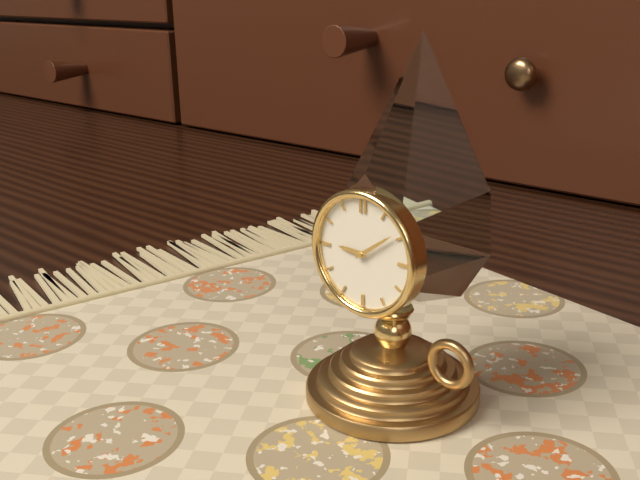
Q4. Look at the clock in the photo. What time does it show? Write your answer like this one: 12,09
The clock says 9,09
